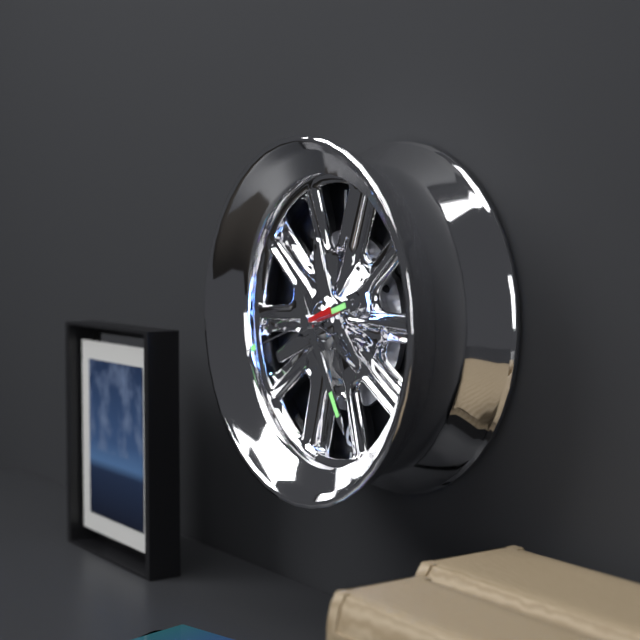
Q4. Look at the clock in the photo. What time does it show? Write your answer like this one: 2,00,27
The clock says 2,25,42
